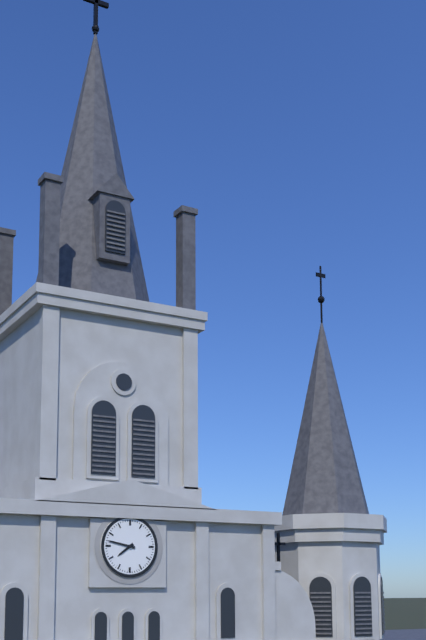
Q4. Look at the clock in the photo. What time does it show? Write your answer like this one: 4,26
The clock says 7,47
